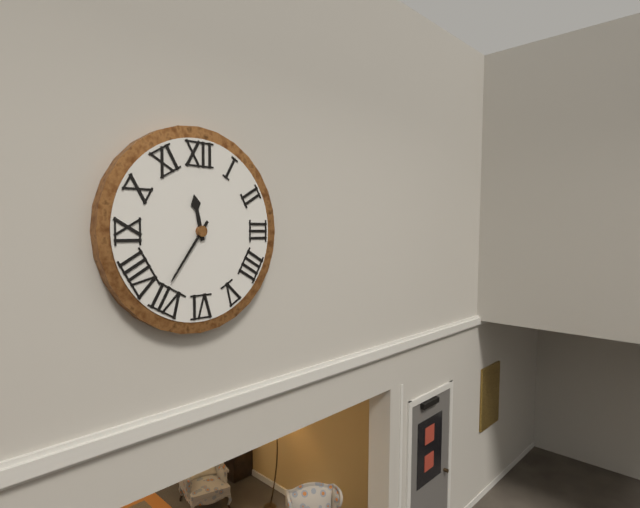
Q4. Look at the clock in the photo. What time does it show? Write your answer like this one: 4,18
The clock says 11,36
